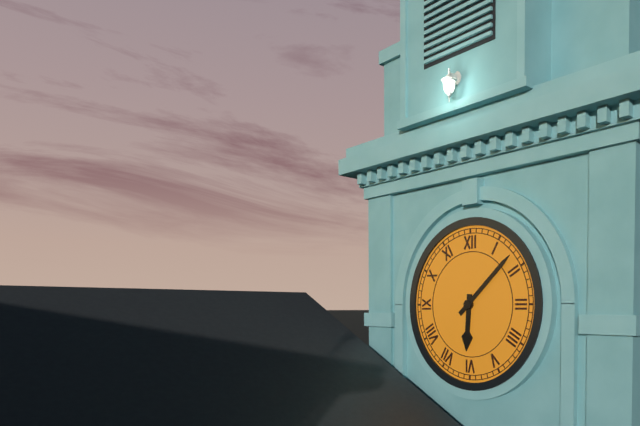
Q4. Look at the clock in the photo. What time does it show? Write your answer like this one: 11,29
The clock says 6,08
